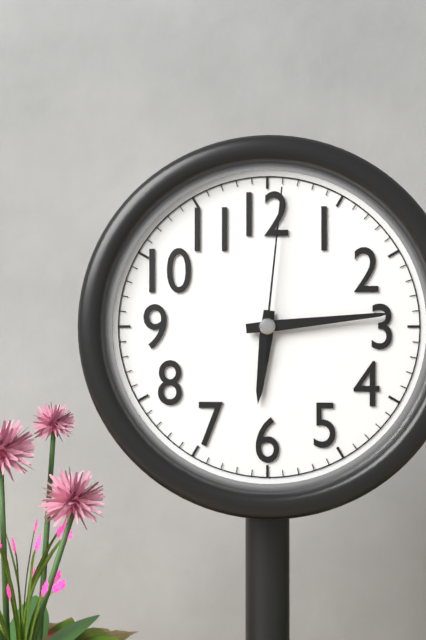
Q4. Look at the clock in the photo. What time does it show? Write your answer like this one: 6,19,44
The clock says 6,14,01
